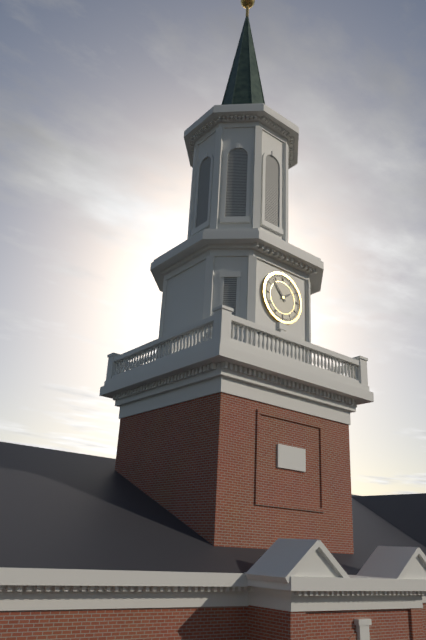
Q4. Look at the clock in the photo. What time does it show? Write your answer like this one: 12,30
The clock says 1,53
